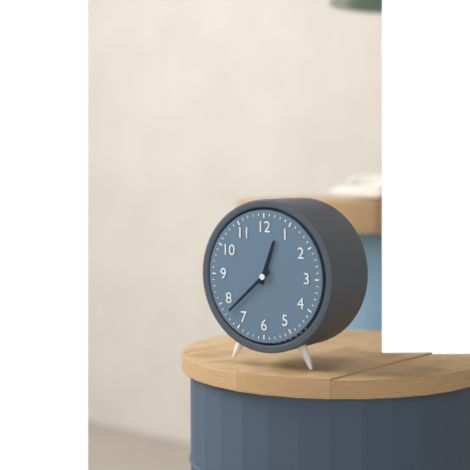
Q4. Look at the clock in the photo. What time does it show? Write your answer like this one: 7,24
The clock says 12,38
